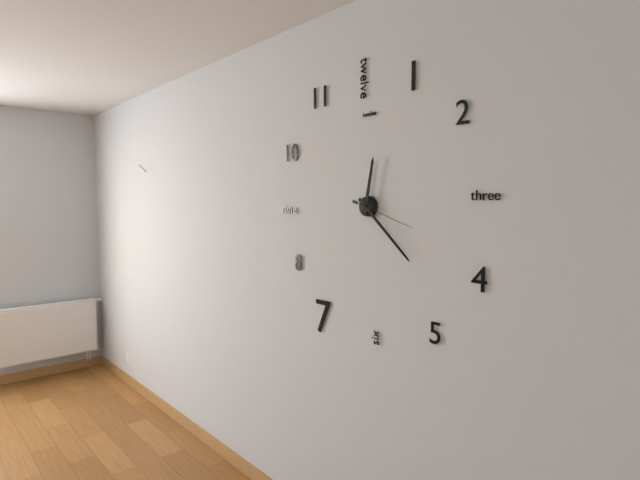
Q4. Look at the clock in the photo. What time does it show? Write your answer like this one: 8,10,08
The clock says 12,22,18
